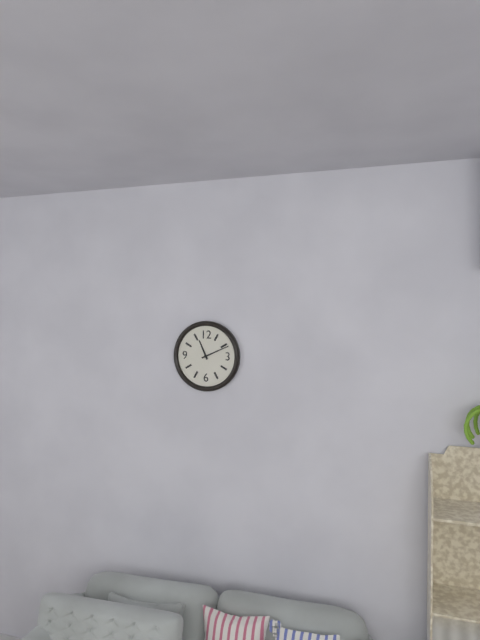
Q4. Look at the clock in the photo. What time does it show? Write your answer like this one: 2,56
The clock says 11,11
